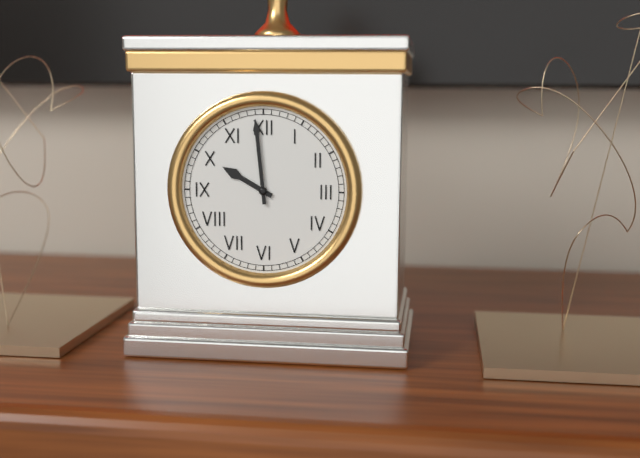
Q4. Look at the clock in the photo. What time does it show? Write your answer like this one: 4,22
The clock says 9,59
